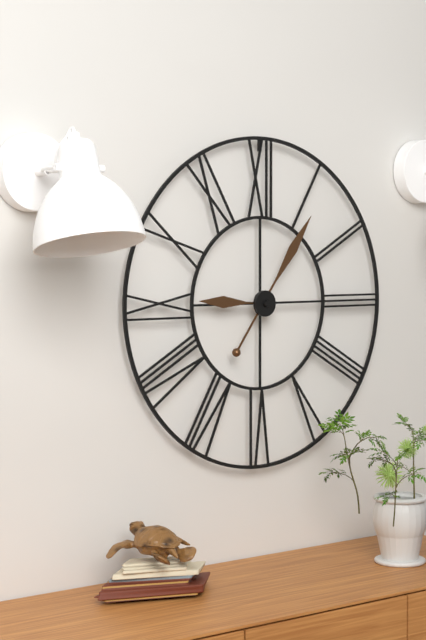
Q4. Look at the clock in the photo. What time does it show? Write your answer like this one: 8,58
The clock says 9,06
